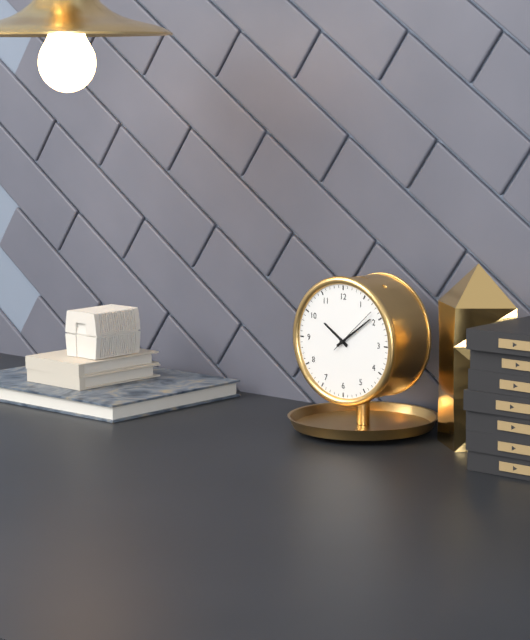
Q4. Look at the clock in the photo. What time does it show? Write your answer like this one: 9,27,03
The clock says 10,09,08
